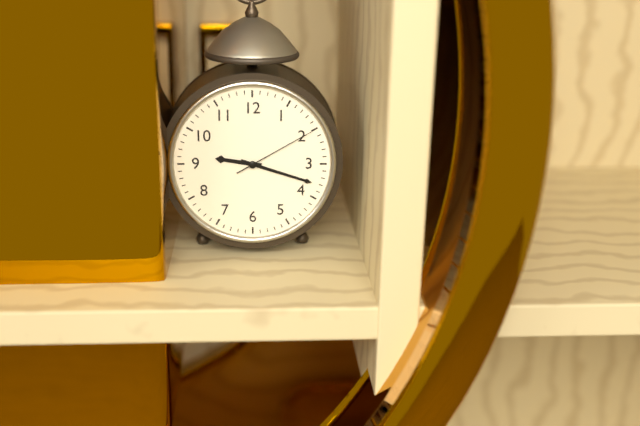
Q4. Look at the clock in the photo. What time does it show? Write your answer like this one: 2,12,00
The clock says 9,18,10
